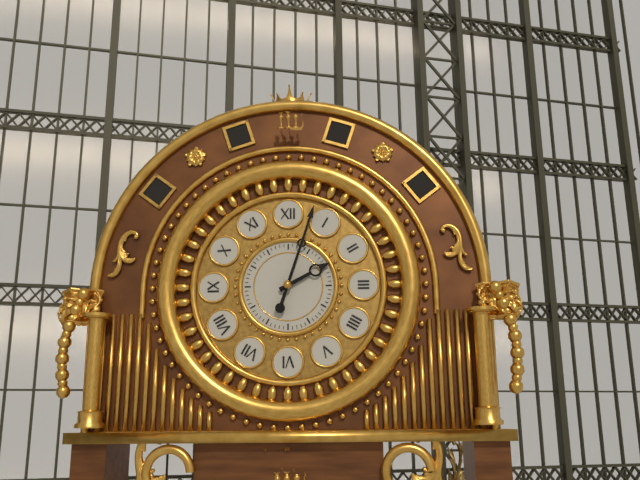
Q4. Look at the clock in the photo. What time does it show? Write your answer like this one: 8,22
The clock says 2,03
